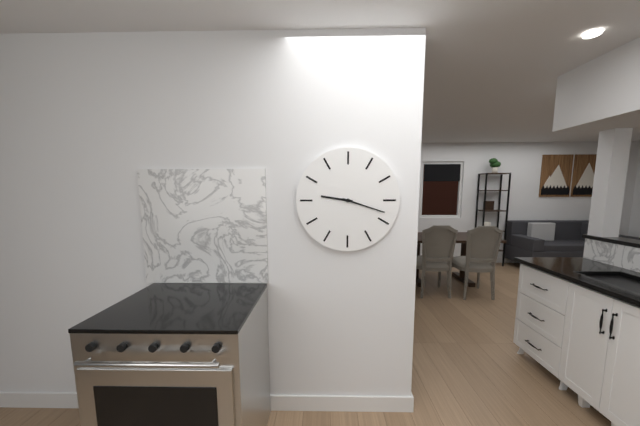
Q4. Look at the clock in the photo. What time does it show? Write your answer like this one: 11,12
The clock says 9,18
